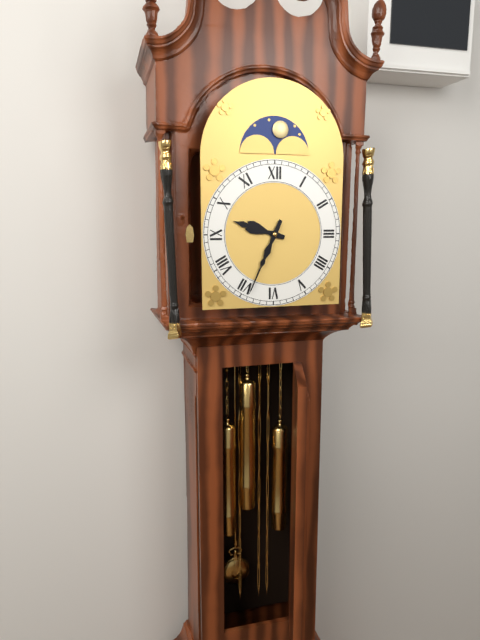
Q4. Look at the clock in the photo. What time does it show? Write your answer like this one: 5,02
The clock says 9,34
